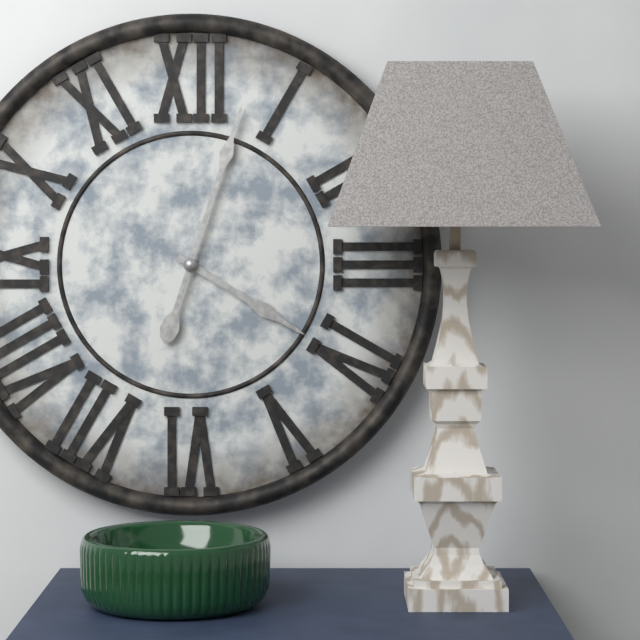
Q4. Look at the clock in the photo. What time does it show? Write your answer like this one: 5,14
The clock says 4,03
